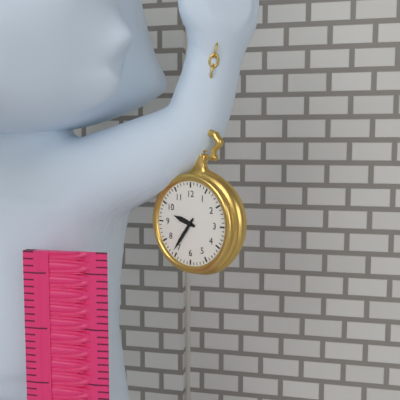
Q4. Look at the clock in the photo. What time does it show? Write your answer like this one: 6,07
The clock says 9,36
